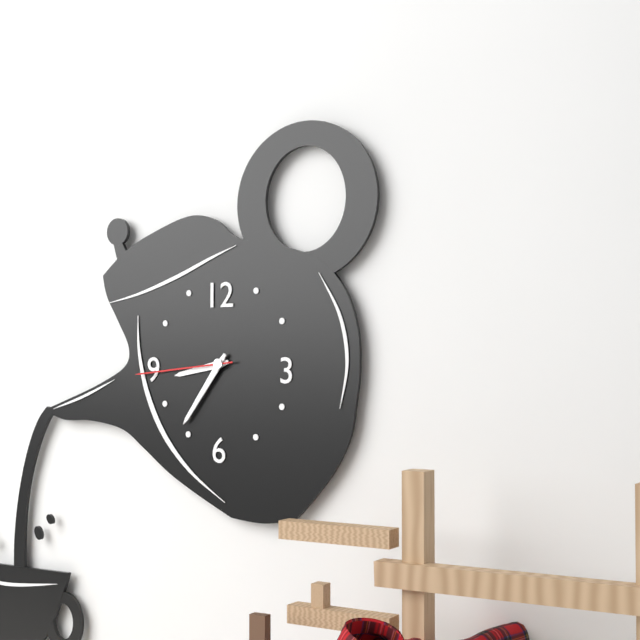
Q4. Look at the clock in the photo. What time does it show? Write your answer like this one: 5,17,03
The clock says 8,36,44
